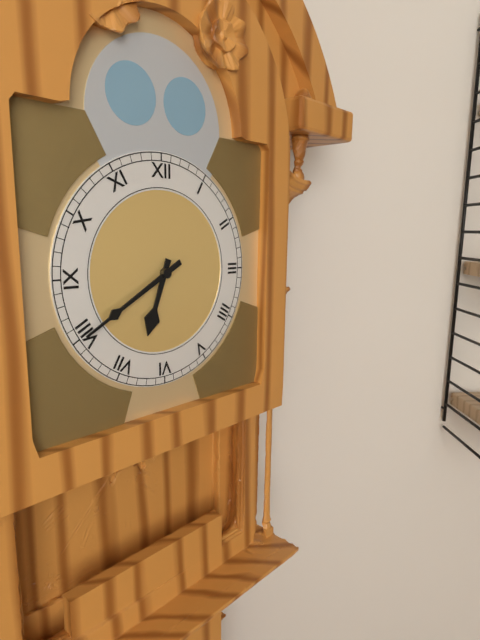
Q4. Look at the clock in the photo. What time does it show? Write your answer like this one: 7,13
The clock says 6,40
